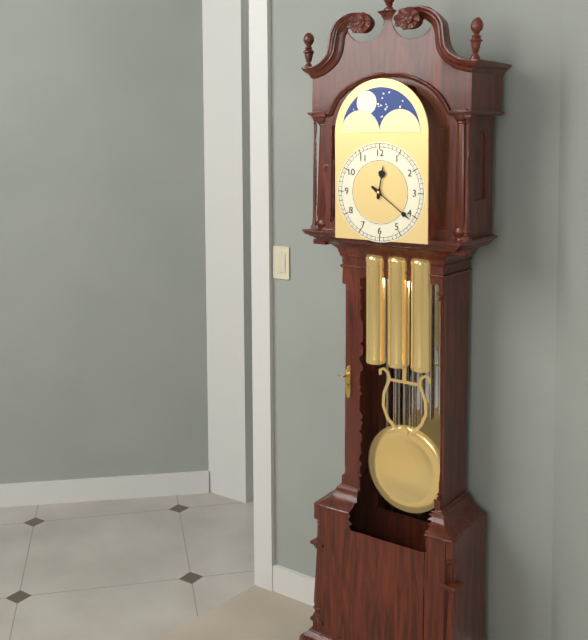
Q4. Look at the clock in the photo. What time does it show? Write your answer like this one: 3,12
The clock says 12,21
